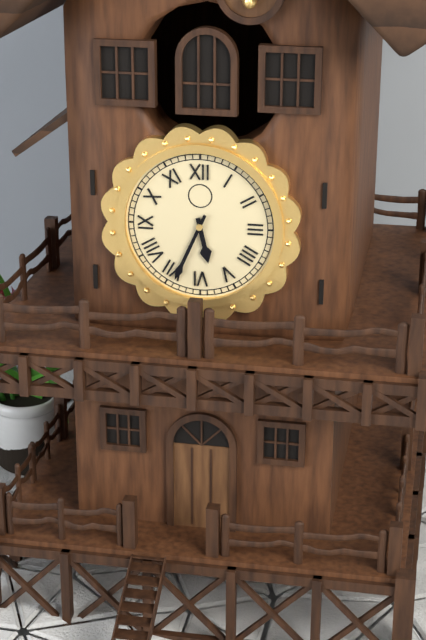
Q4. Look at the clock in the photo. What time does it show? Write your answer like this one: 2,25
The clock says 5,34
